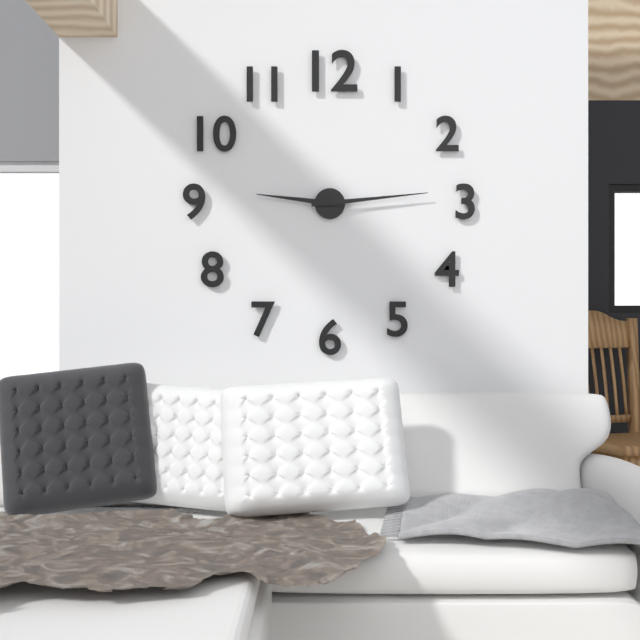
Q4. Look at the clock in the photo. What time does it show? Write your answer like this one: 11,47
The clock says 9,14
